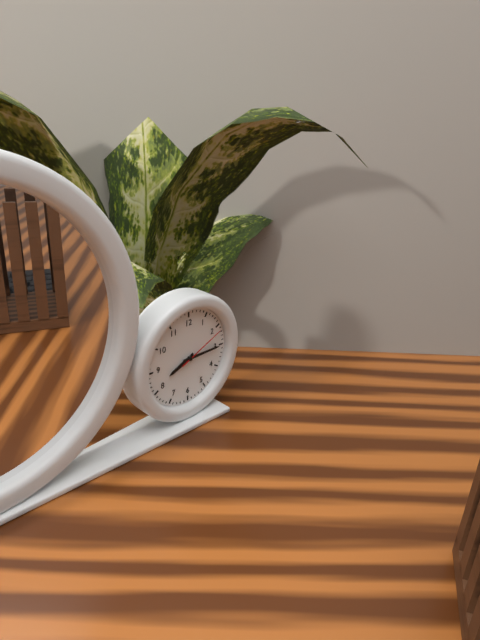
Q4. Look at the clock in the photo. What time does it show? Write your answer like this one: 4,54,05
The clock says 8,15,11
